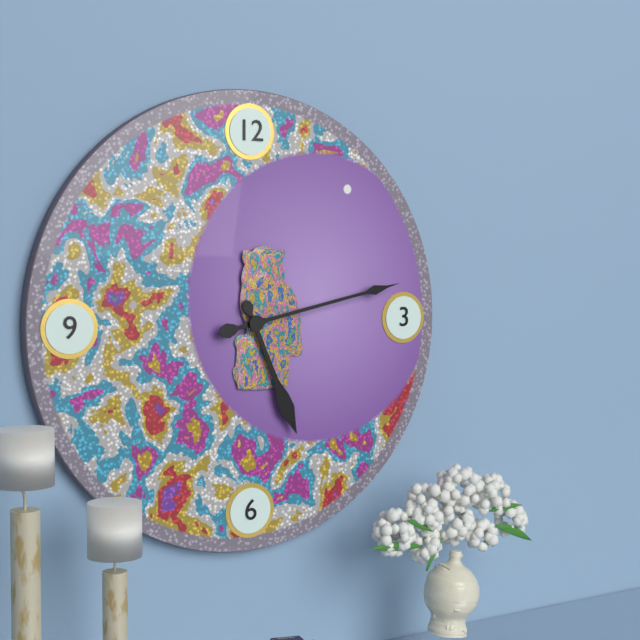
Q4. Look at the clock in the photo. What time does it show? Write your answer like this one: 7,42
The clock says 5,13
